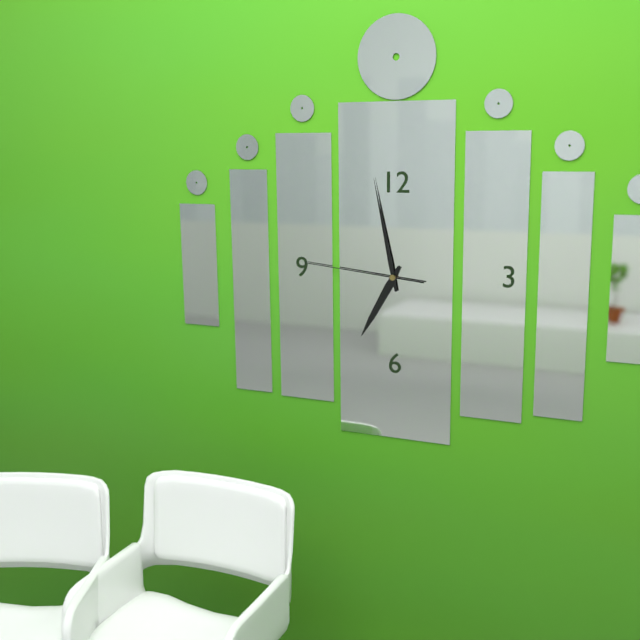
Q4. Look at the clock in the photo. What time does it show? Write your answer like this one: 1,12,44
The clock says 6,58,46
